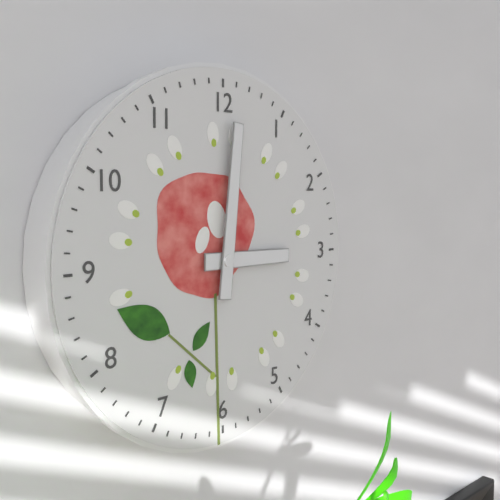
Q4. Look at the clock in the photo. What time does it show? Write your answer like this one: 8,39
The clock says 3,01
